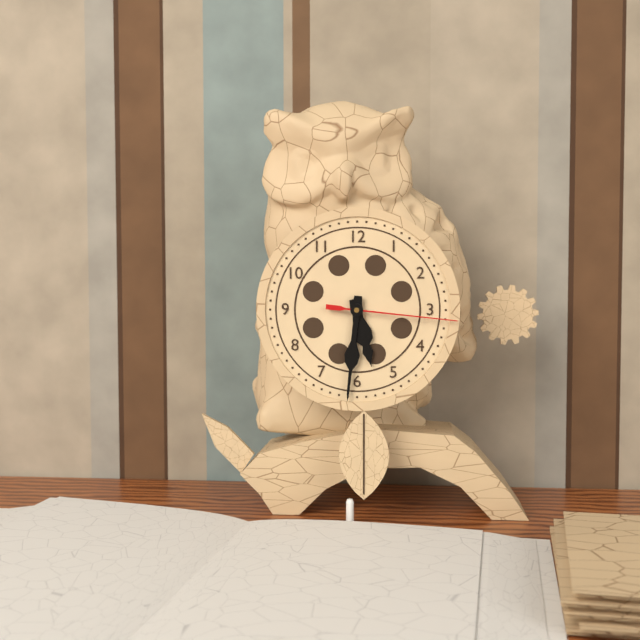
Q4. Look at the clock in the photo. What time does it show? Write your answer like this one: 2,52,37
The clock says 5,31,16
